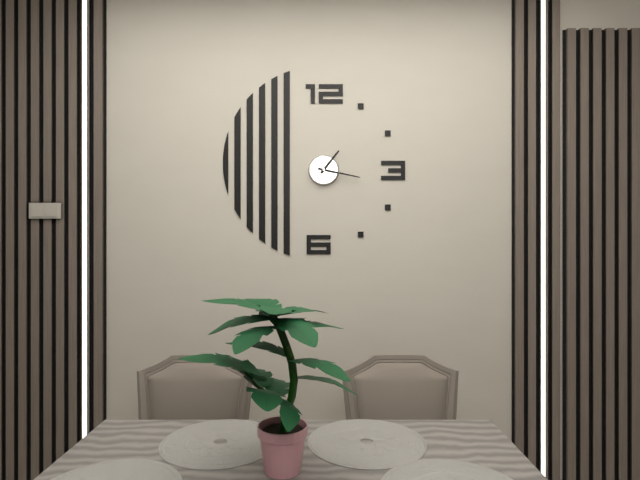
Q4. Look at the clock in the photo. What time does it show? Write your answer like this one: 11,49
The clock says 1,17
